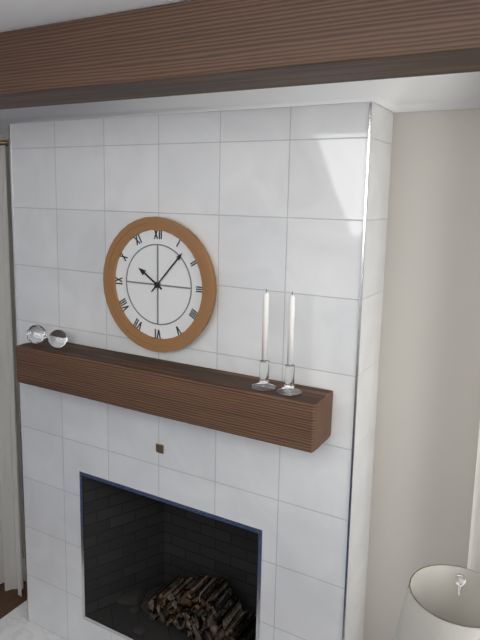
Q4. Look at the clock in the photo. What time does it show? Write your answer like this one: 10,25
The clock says 10,07
